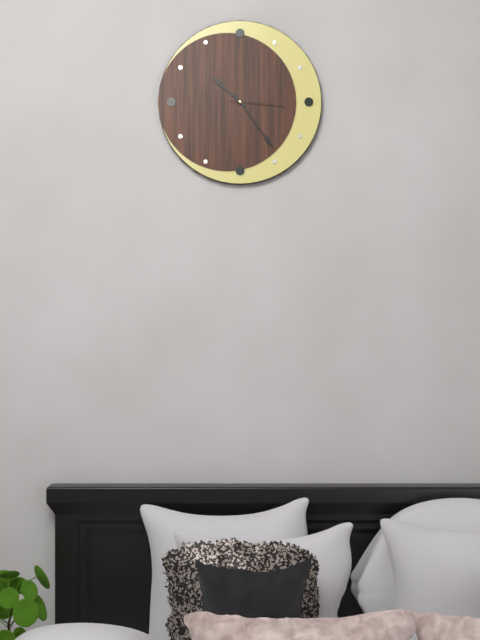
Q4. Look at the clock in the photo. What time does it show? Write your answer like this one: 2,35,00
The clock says 10,24,16
